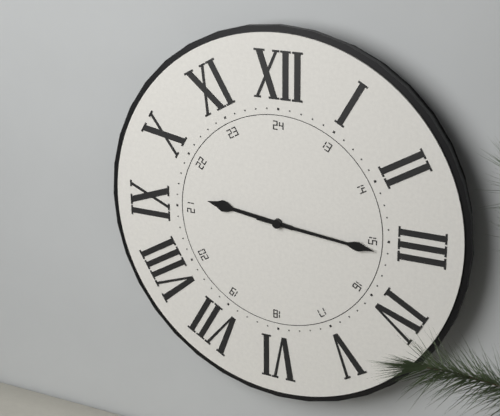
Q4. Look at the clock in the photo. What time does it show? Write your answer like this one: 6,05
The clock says 9,16
